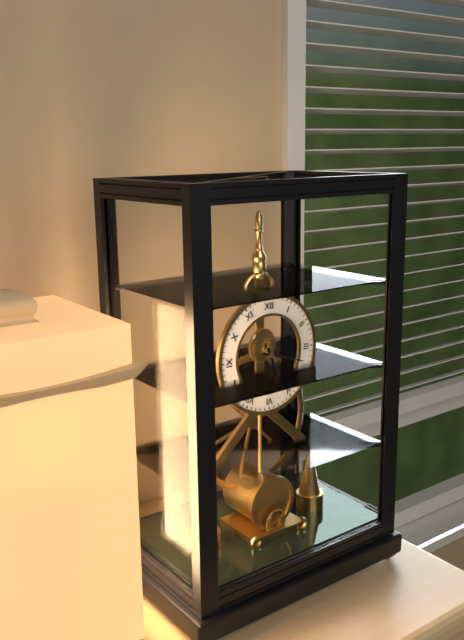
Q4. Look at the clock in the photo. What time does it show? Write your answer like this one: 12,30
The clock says 5,18
